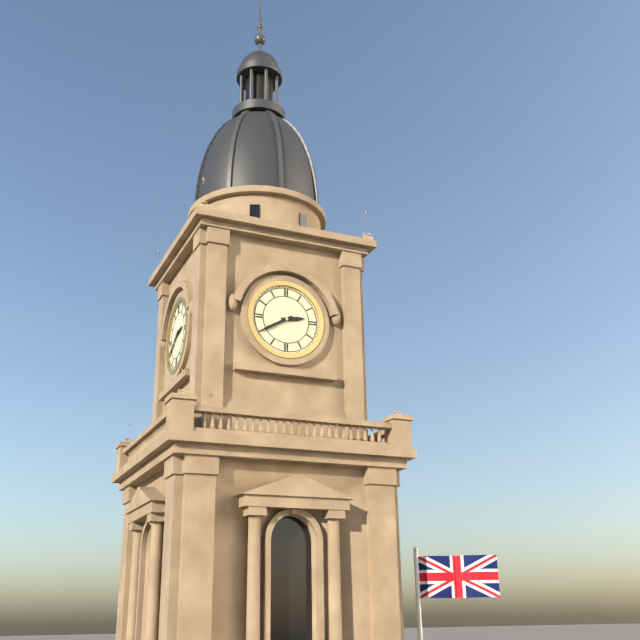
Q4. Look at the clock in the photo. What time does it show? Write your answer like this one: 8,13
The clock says 2,40
